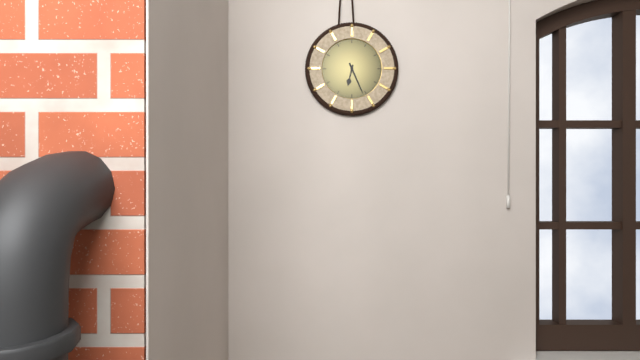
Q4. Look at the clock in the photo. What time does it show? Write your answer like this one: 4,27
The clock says 6,26
